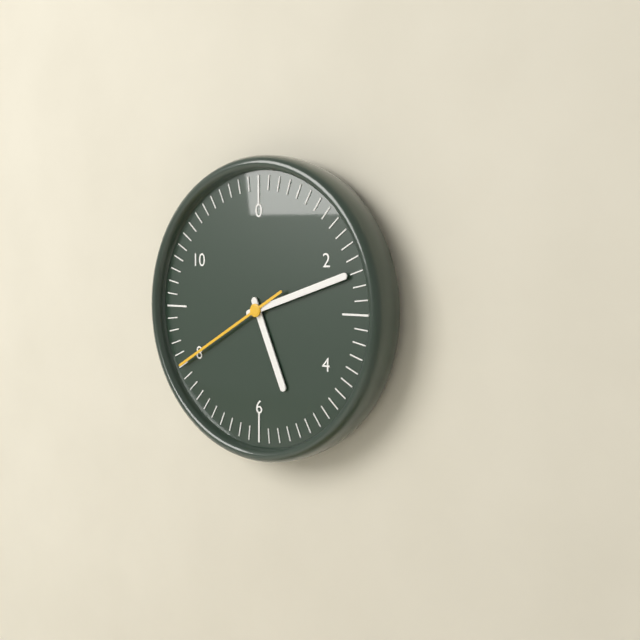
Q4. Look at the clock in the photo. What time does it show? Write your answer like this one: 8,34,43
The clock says 5,12,40
